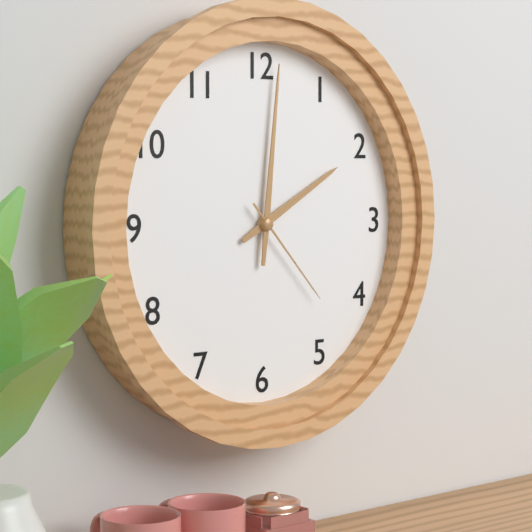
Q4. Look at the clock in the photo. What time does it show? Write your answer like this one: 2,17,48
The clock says 2,01,23
